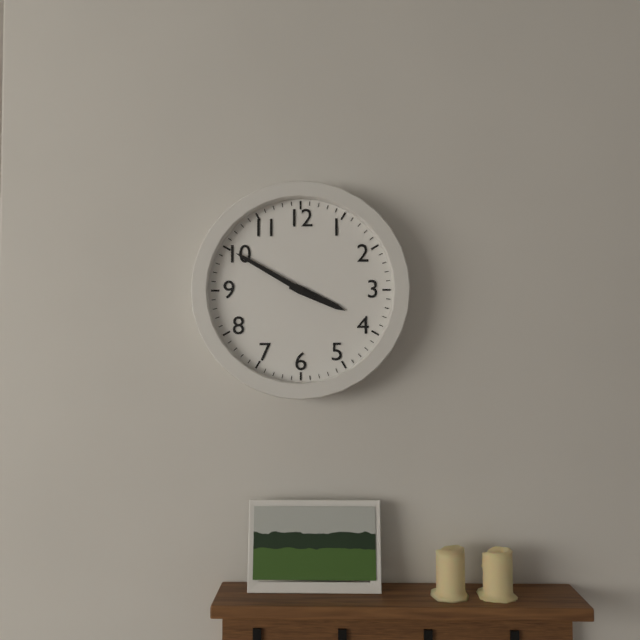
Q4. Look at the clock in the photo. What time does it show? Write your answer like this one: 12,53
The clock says 3,50
